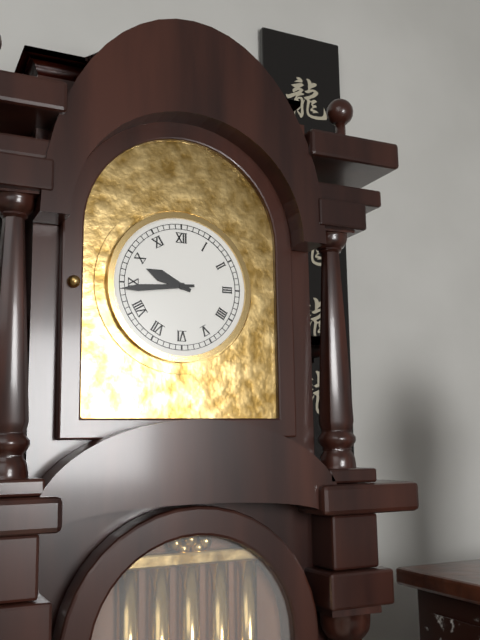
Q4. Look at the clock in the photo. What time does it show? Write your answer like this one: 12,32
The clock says 9,44
